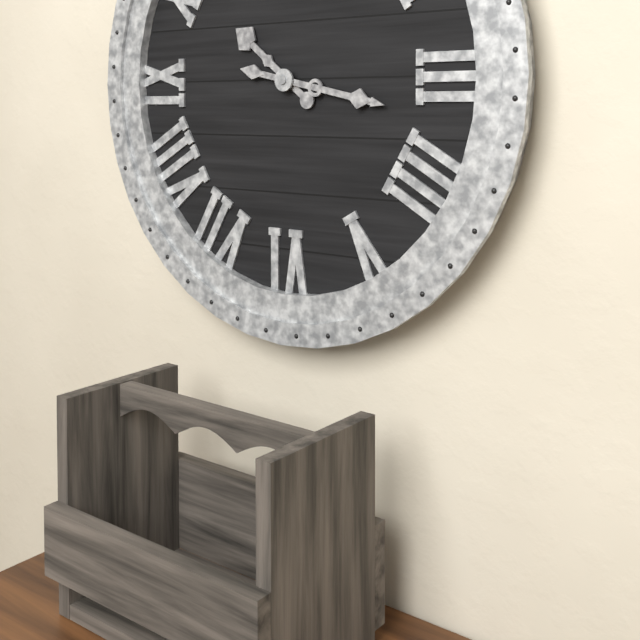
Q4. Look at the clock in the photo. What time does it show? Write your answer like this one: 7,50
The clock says 10,17
